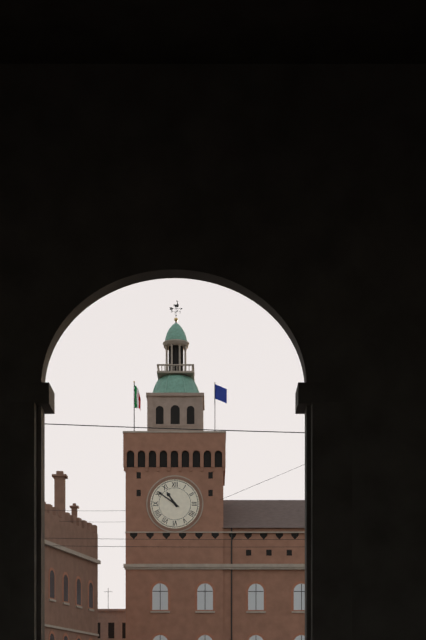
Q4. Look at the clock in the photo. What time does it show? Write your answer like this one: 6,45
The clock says 10,51
